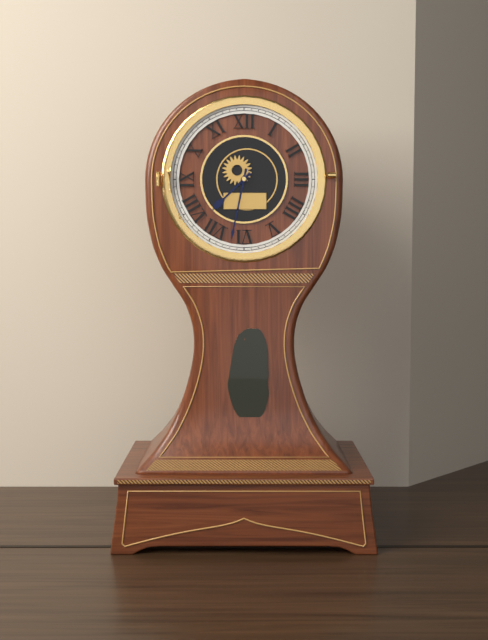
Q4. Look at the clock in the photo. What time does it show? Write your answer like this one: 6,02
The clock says 7,32
